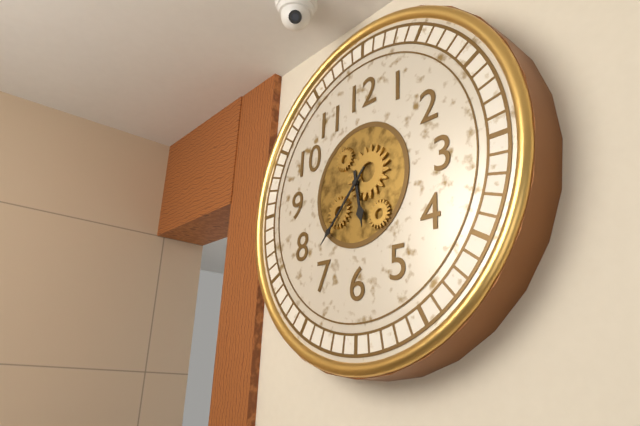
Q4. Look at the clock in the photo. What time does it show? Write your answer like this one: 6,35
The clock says 5,37
